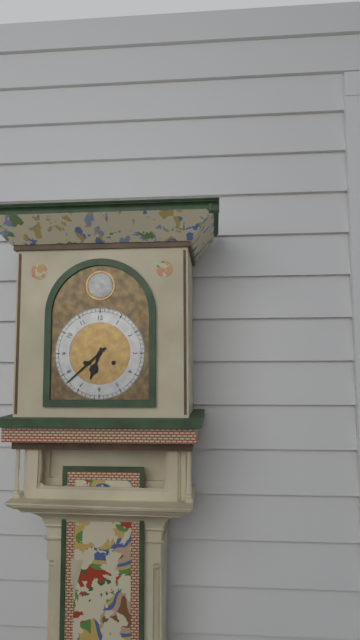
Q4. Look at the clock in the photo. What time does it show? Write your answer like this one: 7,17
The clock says 6,38
